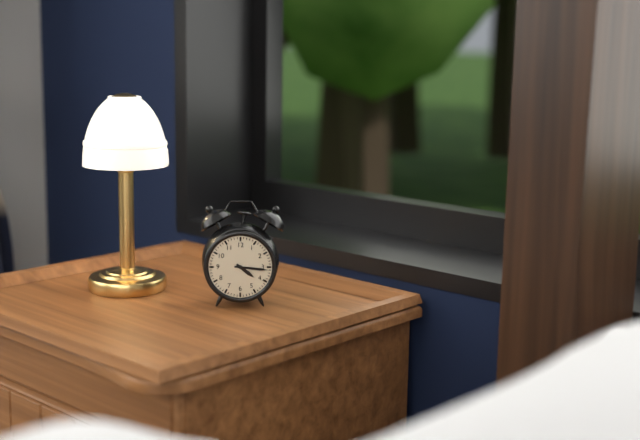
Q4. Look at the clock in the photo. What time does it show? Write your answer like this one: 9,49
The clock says 4,16
